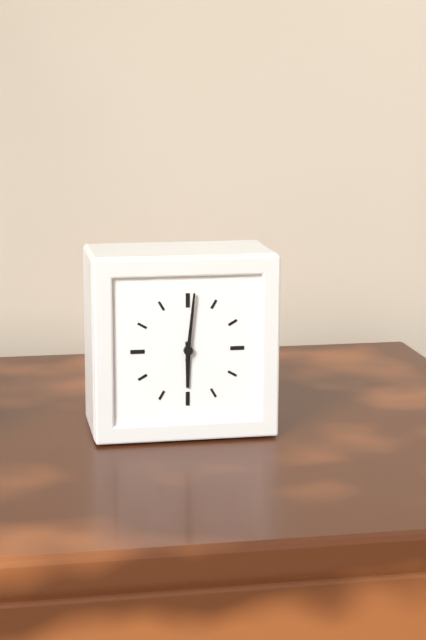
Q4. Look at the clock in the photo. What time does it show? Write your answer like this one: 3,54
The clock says 6,01
